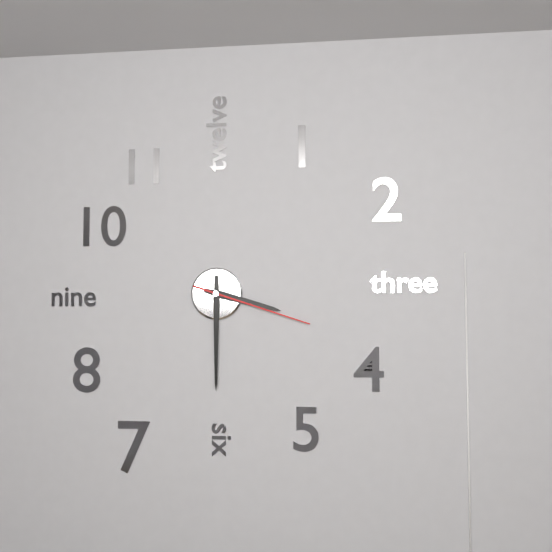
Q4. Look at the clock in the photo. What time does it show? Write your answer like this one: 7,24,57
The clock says 3,30,18
